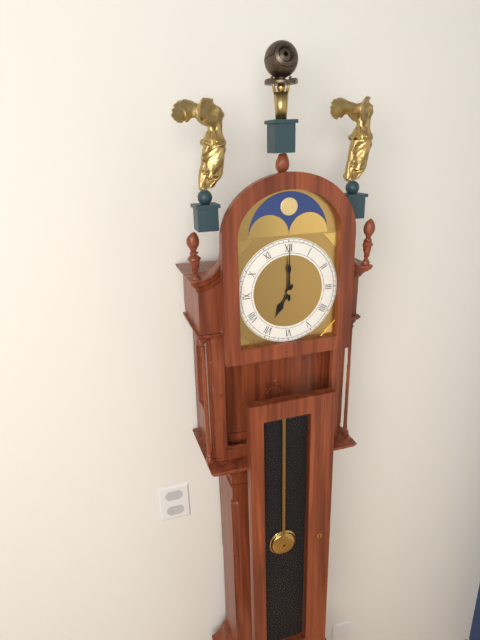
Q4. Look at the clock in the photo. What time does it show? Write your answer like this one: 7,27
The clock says 7,00
